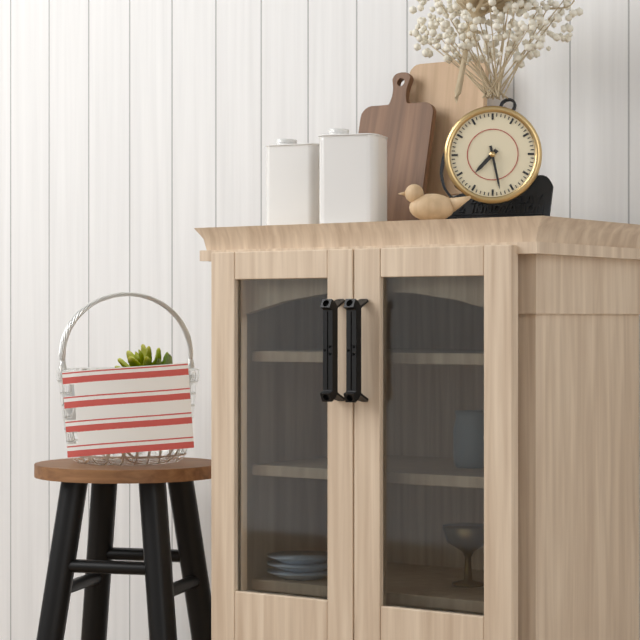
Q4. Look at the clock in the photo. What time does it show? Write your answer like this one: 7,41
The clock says 7,28
